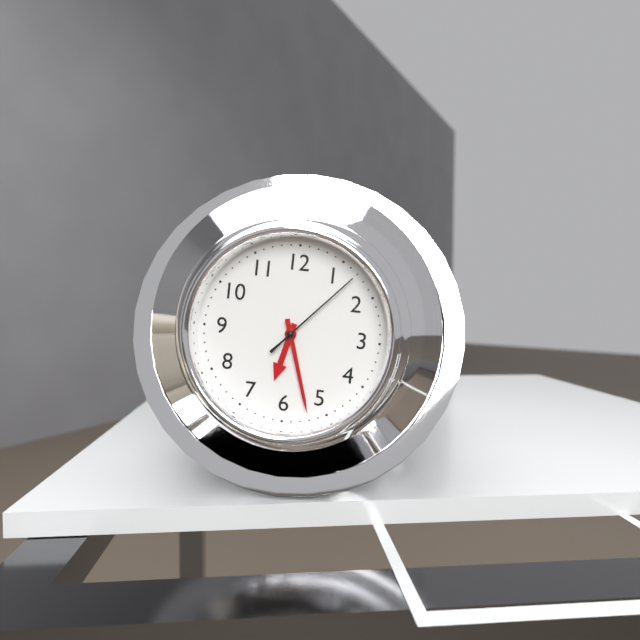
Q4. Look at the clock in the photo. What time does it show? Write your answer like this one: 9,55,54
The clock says 6,27,07
